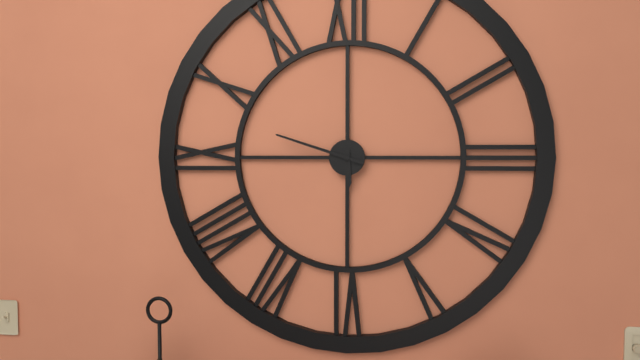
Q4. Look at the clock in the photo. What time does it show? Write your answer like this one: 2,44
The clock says 5,48
